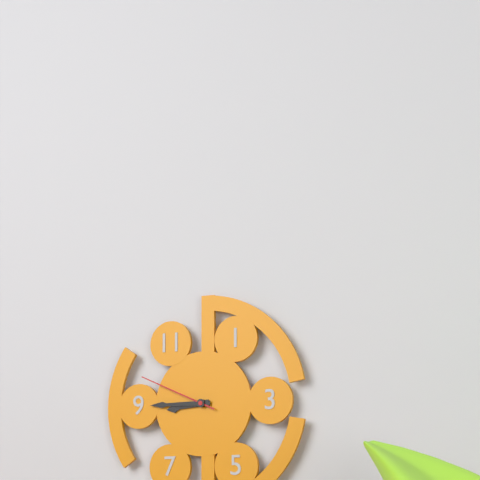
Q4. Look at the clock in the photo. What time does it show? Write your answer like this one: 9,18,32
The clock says 8,45,49
